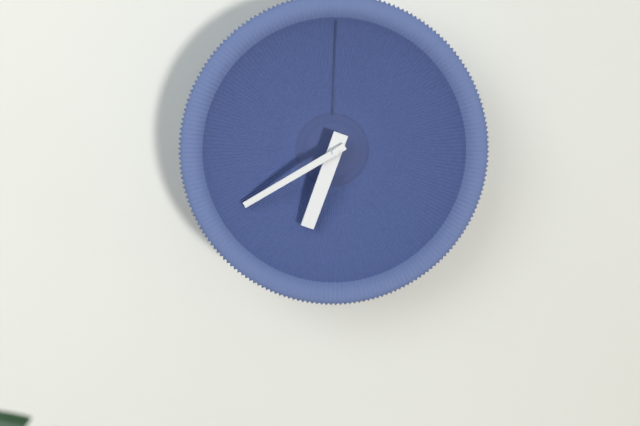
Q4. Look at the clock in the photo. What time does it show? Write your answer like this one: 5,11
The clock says 6,40
